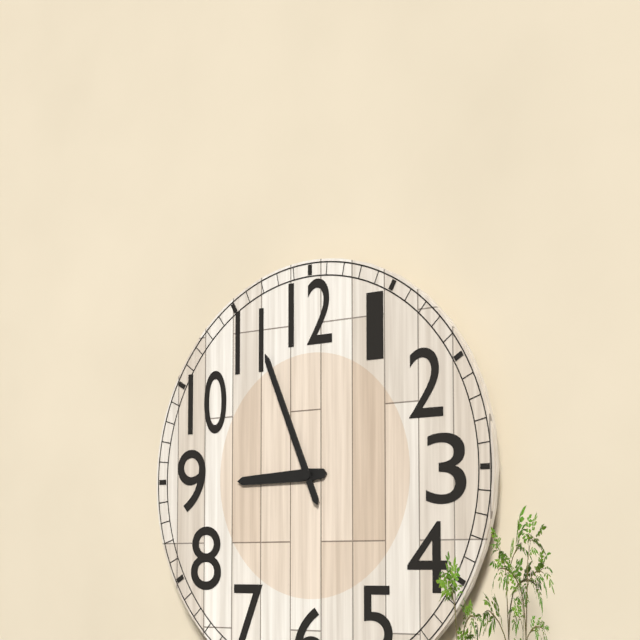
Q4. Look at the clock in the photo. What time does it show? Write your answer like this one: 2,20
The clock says 8,56
